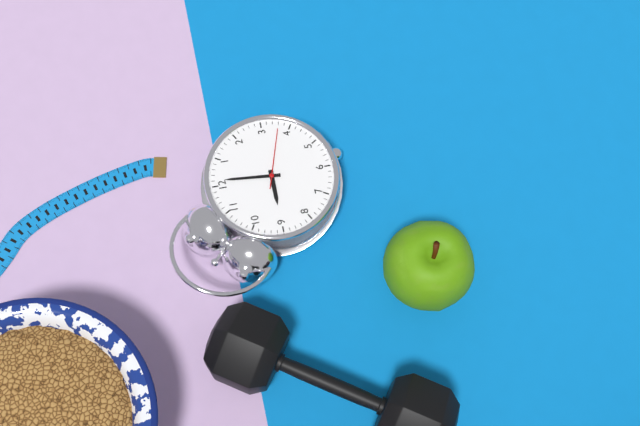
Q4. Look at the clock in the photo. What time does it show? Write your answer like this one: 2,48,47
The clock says 9,01,18
